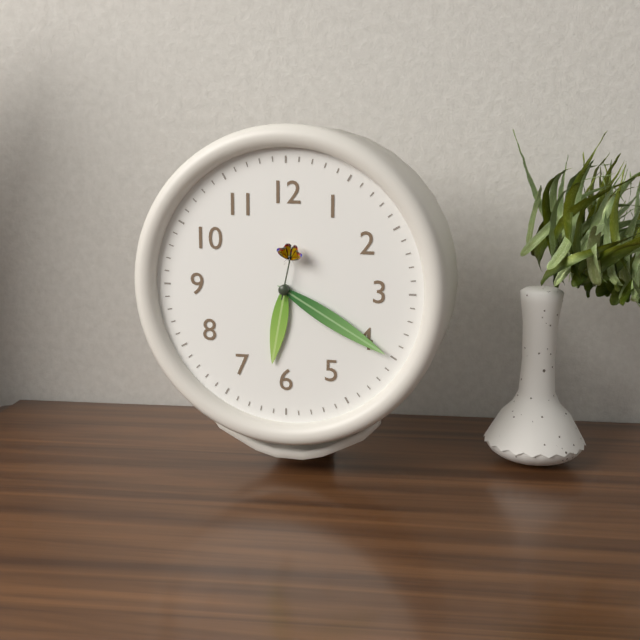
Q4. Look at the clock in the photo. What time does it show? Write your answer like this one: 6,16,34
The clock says 6,20,02
